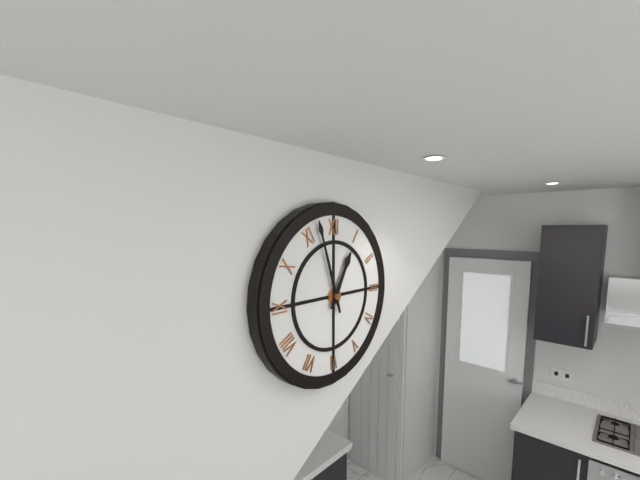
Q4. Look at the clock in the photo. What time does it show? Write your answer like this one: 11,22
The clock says 12,57
